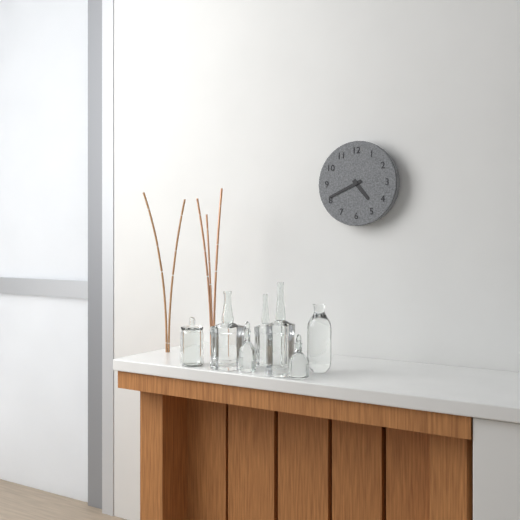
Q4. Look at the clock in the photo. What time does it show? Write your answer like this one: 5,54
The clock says 4,41
